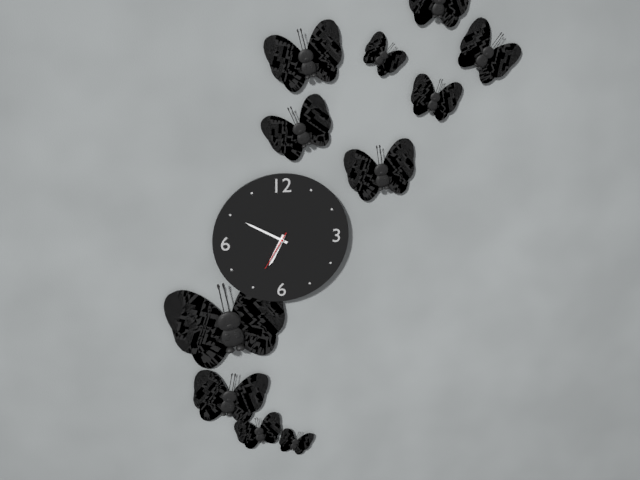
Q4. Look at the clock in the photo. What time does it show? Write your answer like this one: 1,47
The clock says 6,50
